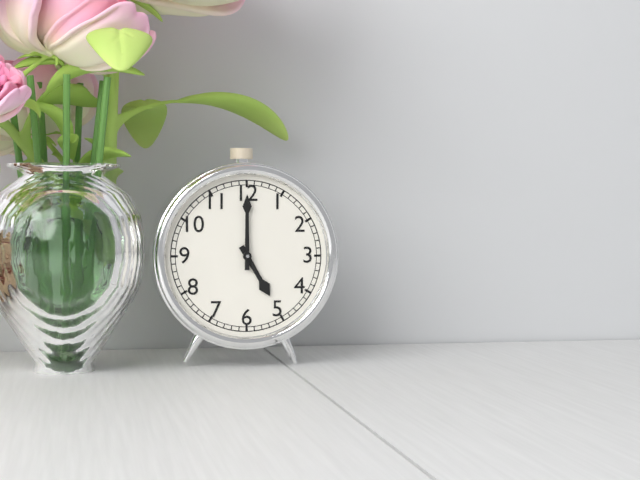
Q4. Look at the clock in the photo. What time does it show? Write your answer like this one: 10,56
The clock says 5,00
